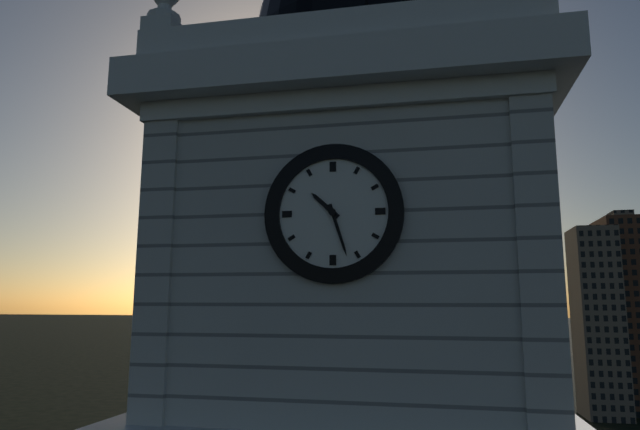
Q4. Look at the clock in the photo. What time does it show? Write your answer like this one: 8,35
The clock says 10,27
